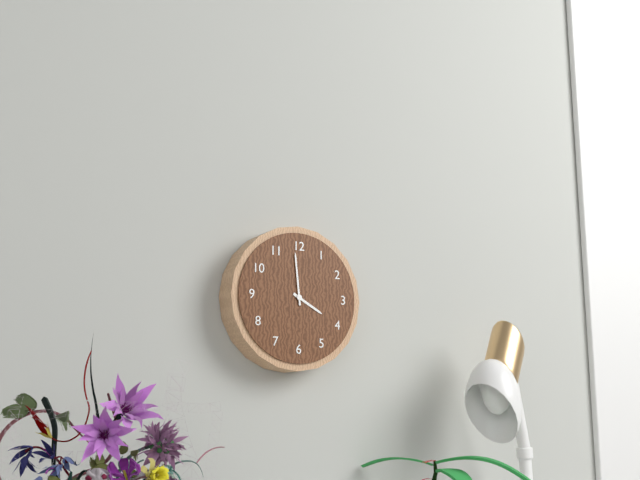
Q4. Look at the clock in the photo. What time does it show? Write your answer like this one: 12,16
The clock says 3,59
